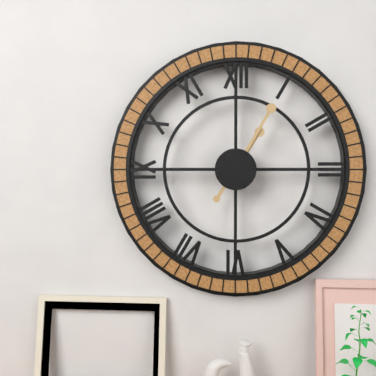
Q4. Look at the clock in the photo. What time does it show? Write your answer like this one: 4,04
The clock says 1,05
